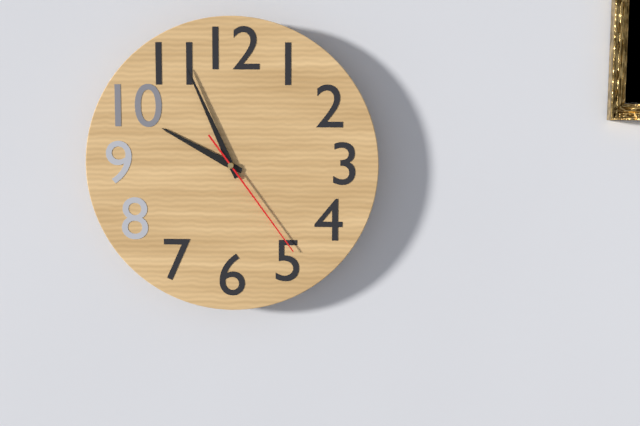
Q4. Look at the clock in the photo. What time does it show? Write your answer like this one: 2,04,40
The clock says 9,56,24
